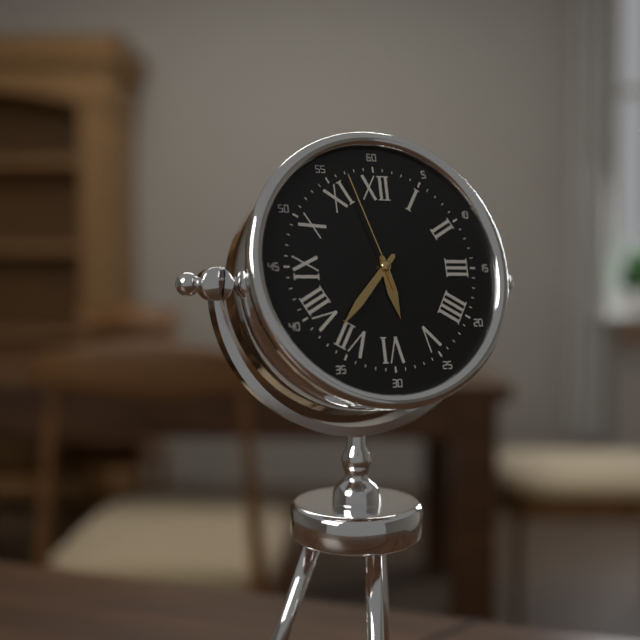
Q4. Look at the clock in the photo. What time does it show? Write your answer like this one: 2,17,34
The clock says 5,37,57
